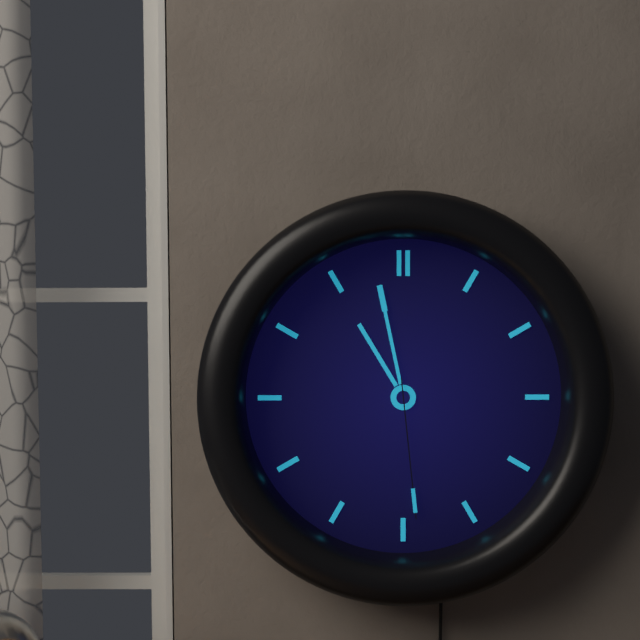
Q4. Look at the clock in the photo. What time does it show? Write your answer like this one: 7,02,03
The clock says 10,58,29
